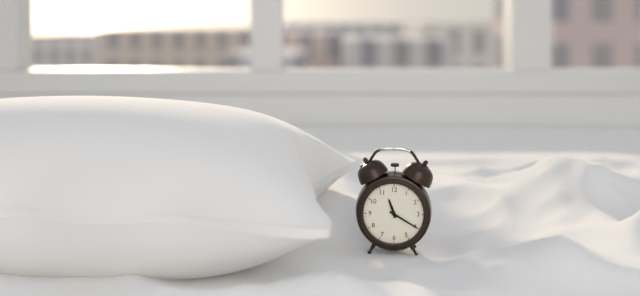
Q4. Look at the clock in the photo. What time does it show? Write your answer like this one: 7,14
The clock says 11,20
